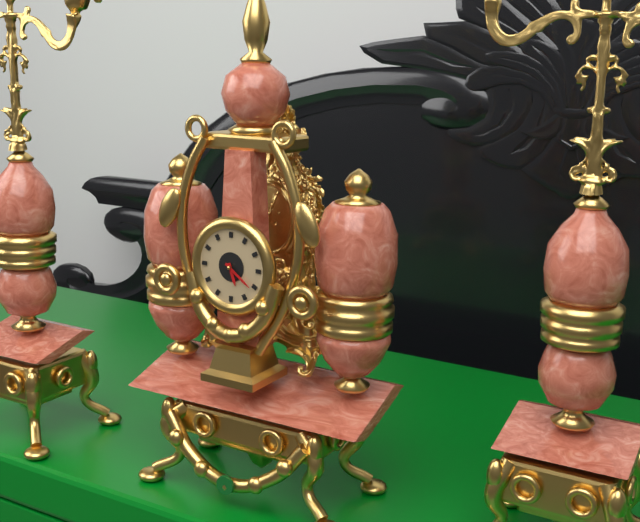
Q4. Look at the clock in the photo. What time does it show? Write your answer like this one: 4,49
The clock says 5,21
